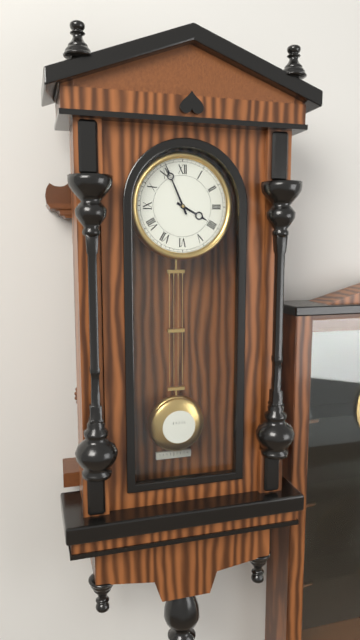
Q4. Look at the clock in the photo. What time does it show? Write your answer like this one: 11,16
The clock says 3,56
